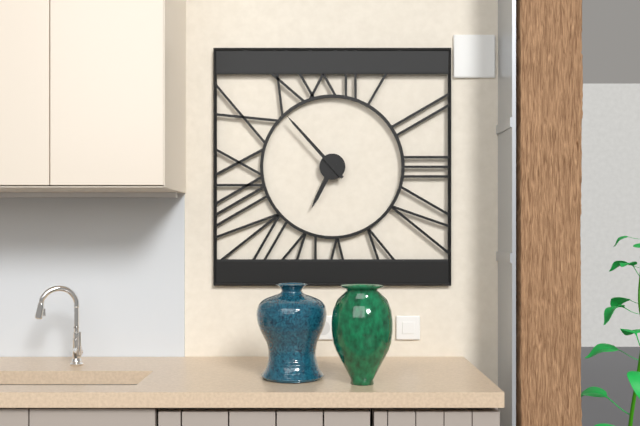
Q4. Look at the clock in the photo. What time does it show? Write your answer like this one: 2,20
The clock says 6,53
